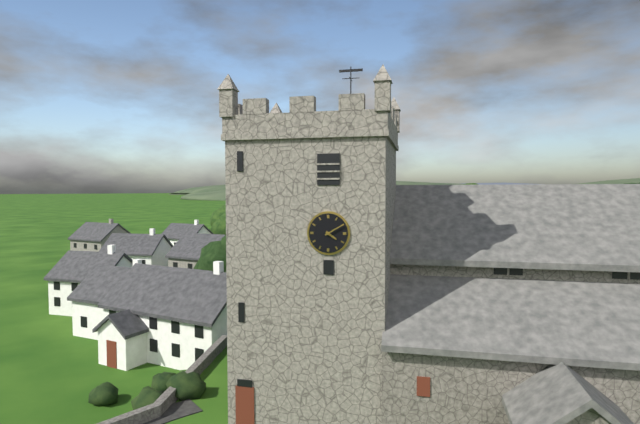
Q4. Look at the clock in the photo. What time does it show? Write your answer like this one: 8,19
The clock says 4,10
